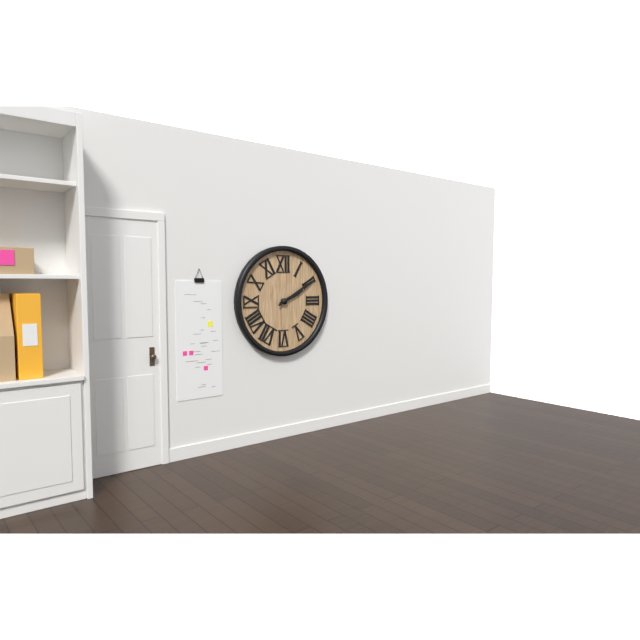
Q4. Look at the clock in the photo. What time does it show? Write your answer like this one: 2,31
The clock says 2,10
